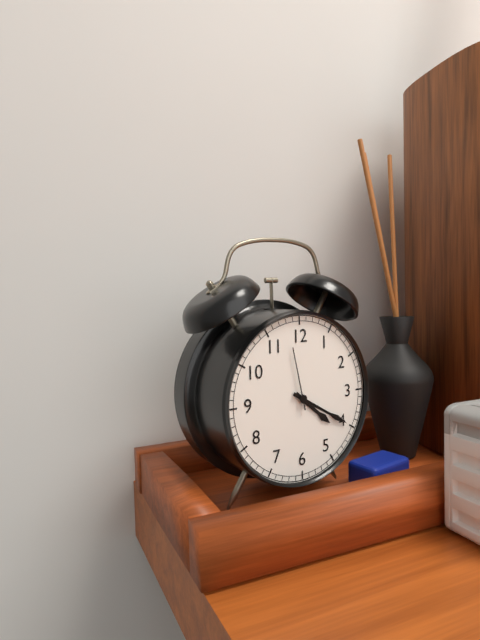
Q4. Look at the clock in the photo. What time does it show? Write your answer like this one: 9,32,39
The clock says 4,20,58
